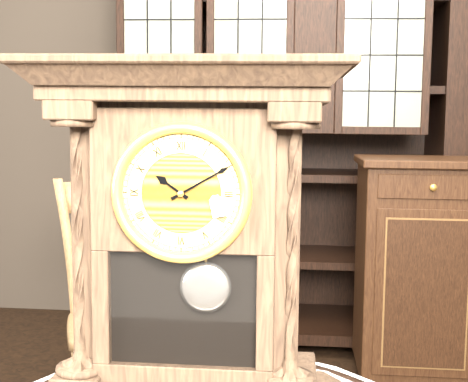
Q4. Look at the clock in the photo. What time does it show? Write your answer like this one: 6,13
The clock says 10,10
